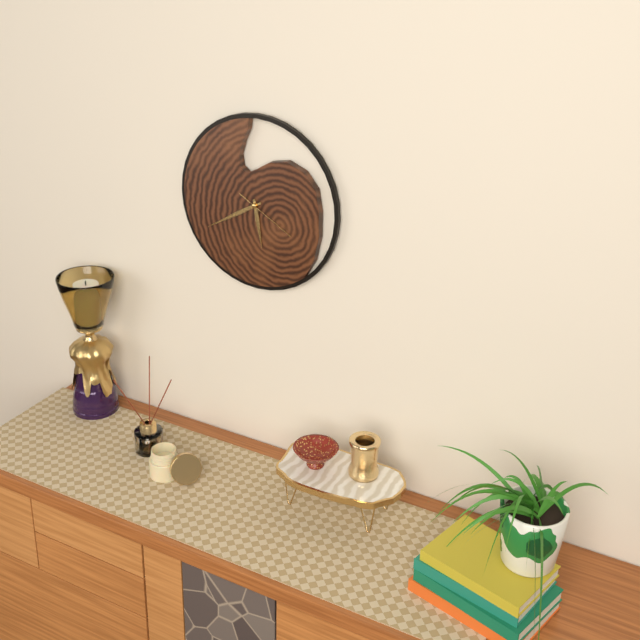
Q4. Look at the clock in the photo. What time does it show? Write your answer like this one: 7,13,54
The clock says 5,40,20
